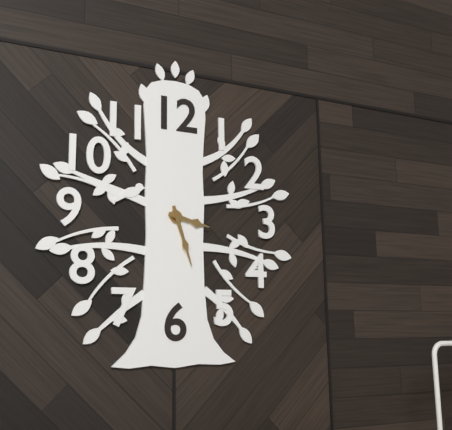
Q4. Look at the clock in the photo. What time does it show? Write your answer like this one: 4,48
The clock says 3,27
